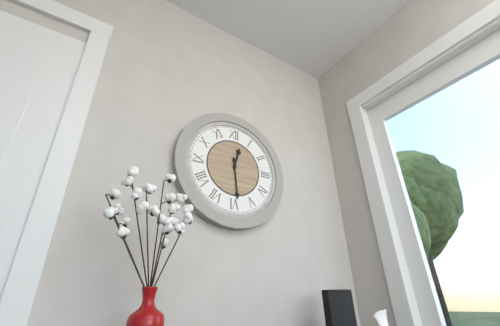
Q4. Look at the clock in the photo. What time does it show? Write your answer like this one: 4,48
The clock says 12,29
